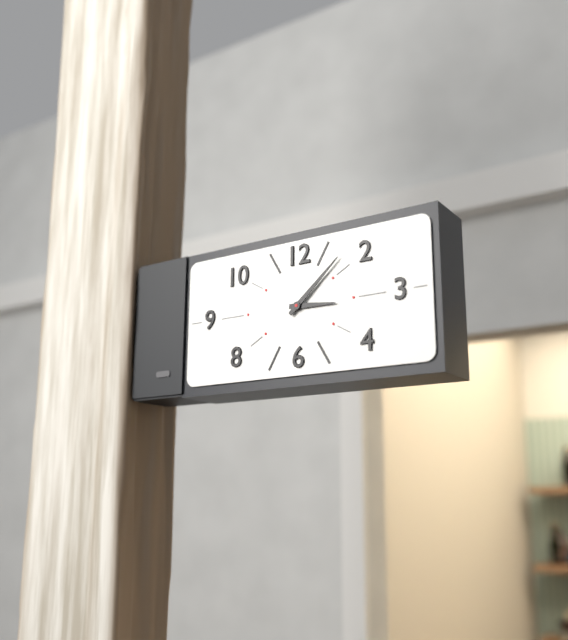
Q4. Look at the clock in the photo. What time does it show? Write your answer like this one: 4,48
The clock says 3,08
